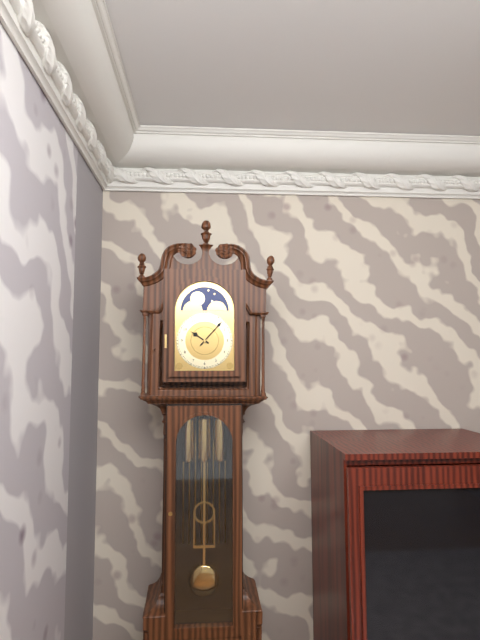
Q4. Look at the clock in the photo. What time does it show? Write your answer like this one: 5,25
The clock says 10,07
